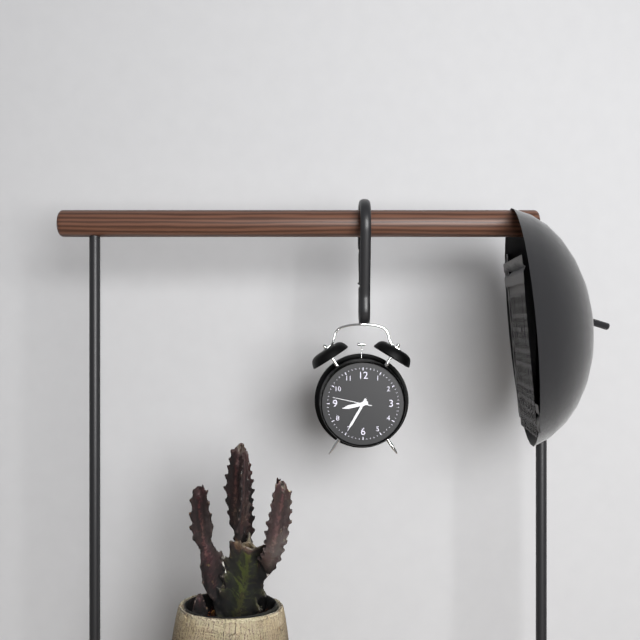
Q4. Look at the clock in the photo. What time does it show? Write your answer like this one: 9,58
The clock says 8,35
